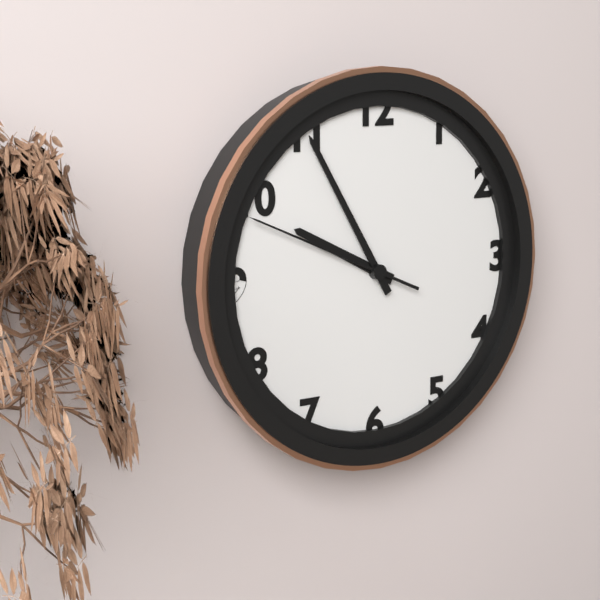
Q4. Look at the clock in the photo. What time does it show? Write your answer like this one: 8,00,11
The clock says 9,55,49
